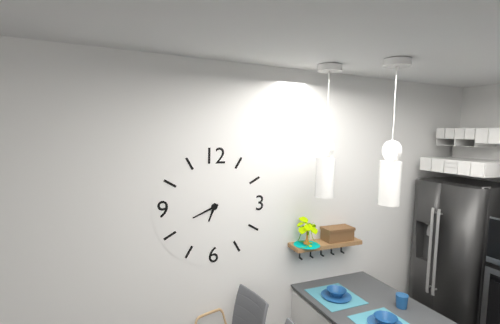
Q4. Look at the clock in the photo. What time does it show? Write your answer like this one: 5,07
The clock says 6,41
